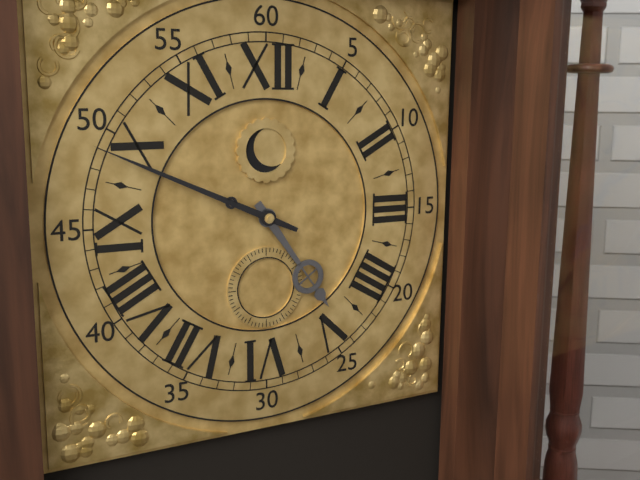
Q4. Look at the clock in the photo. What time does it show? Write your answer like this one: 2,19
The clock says 4,49
